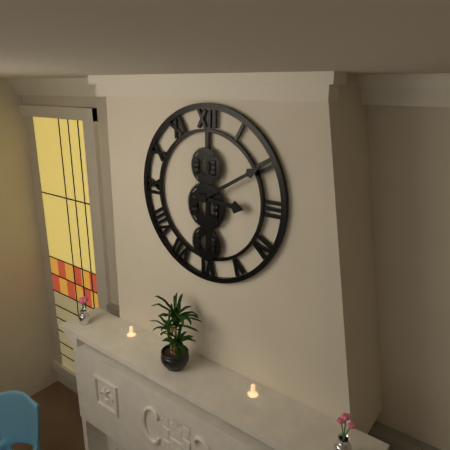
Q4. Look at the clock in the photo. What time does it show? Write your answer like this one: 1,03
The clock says 3,10
